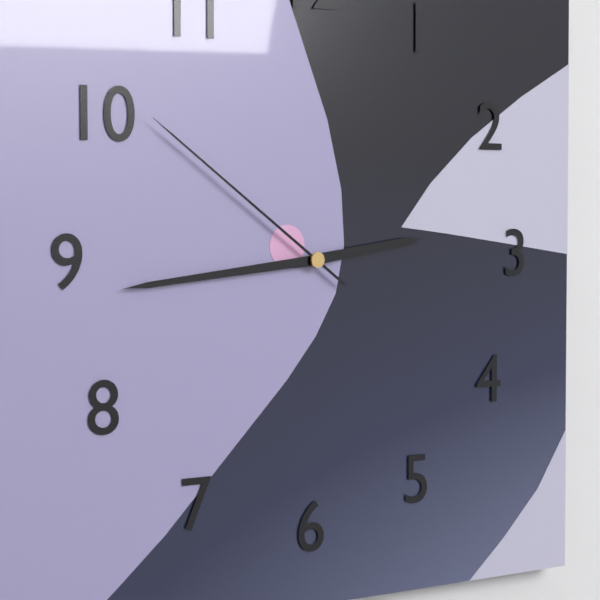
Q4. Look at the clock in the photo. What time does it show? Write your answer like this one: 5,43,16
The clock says 2,44,51
